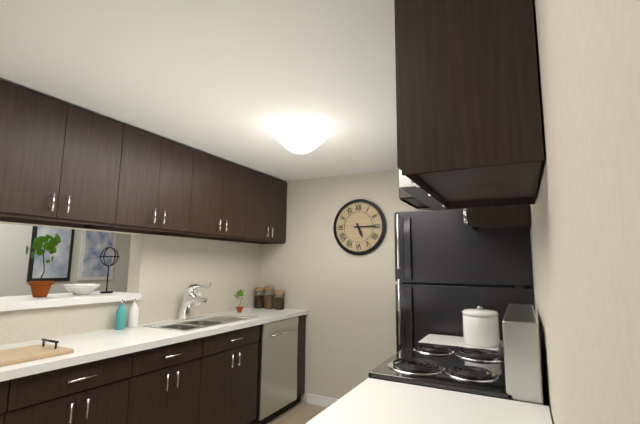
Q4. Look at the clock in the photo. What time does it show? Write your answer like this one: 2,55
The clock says 5,15
